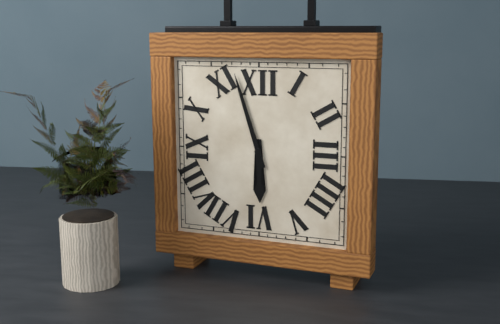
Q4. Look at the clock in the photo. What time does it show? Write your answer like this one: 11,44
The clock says 5,57
